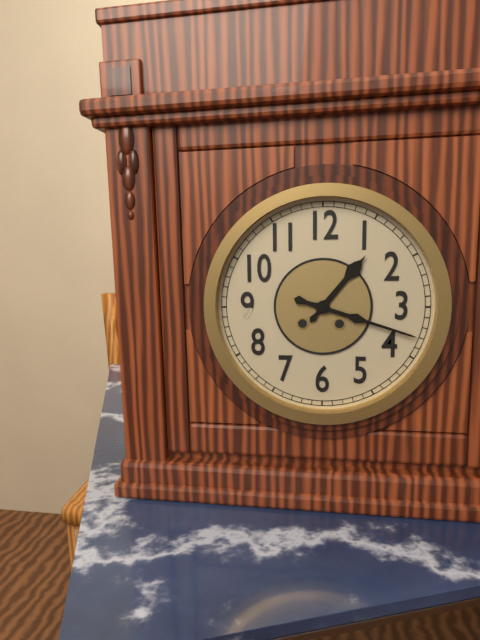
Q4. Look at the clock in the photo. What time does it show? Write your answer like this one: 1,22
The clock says 1,18
